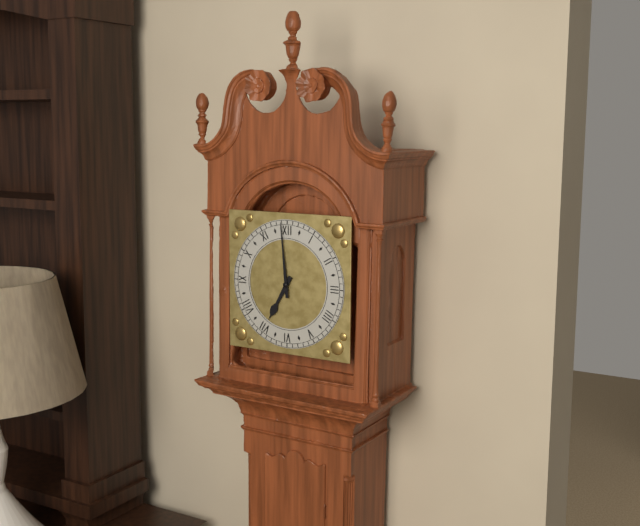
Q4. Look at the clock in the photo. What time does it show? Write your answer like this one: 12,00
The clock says 6,59
